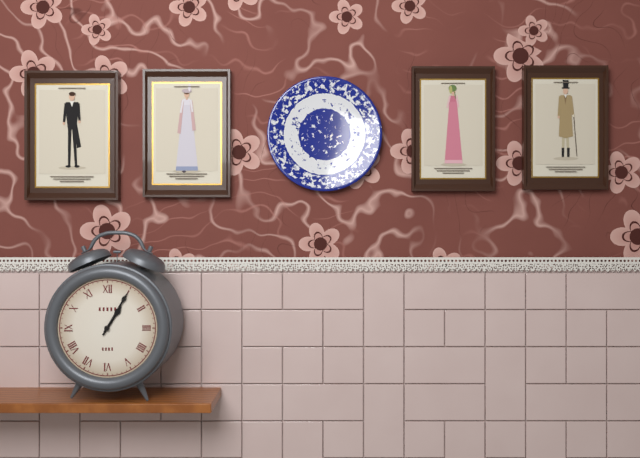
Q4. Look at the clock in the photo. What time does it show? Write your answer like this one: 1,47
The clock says 1,05
